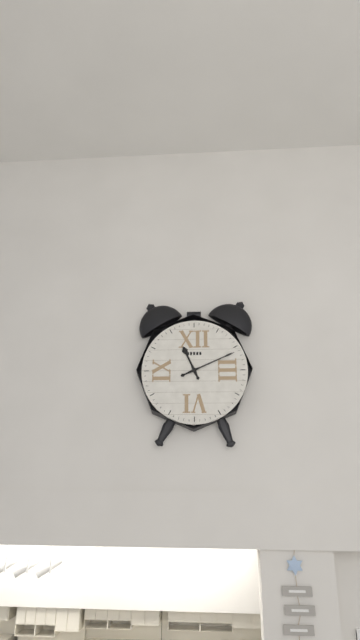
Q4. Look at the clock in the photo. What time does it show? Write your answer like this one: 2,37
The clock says 11,11
